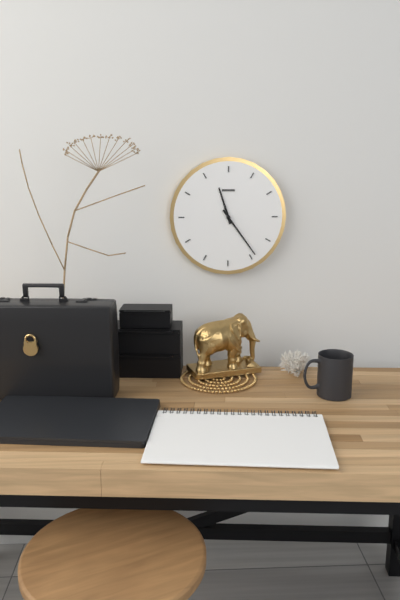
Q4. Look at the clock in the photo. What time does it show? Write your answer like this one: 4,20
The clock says 11,24
